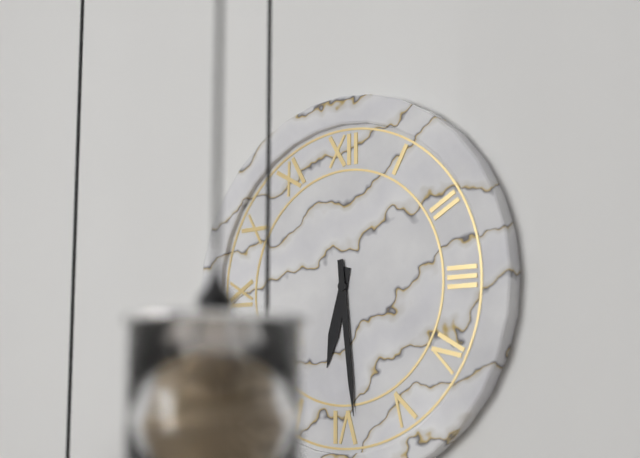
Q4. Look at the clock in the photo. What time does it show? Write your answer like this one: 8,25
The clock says 6,29
